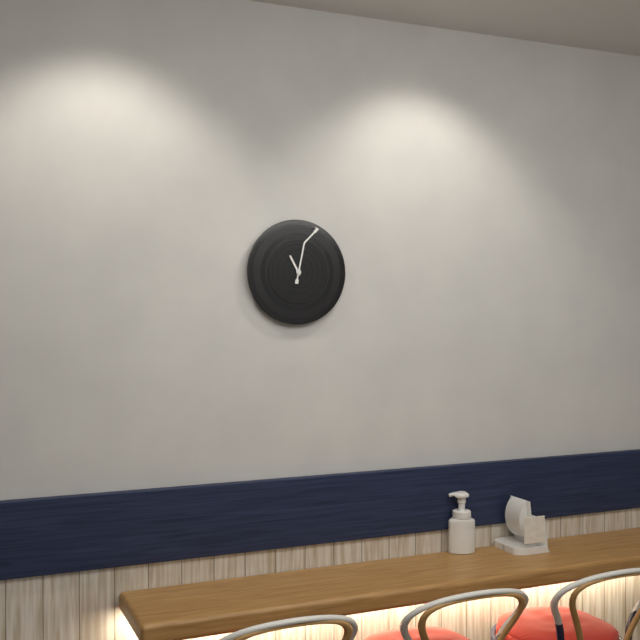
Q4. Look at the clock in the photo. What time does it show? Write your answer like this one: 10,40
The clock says 11,02
